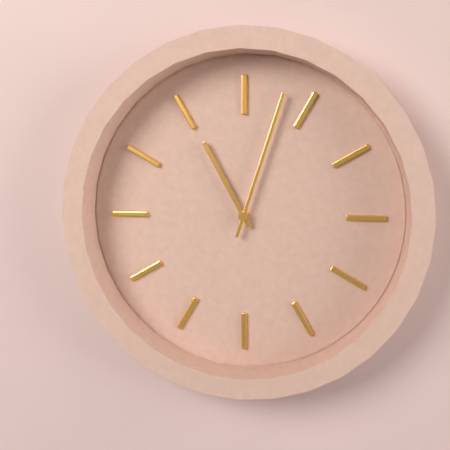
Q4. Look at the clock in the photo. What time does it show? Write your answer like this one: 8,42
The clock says 11,03
